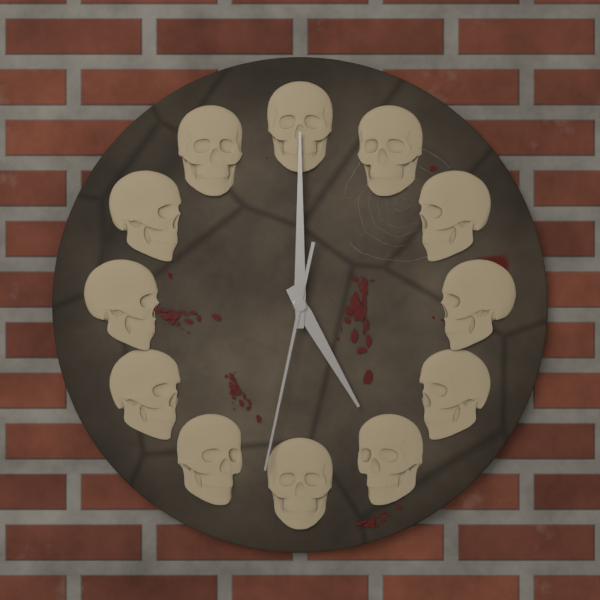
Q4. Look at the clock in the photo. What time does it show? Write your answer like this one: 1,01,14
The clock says 5,00,32
